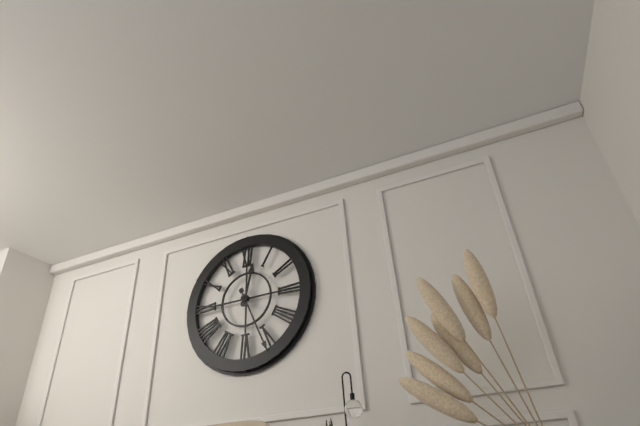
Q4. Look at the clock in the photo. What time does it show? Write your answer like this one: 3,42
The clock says 12,26
